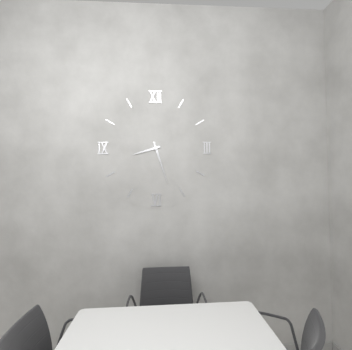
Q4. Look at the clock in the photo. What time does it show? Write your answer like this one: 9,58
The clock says 8,27
